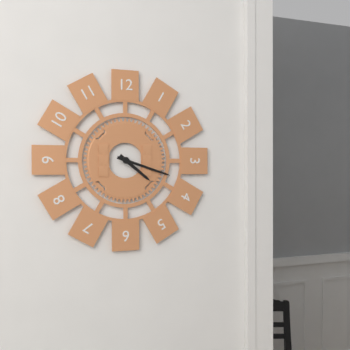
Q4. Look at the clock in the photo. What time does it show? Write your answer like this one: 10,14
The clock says 4,18
